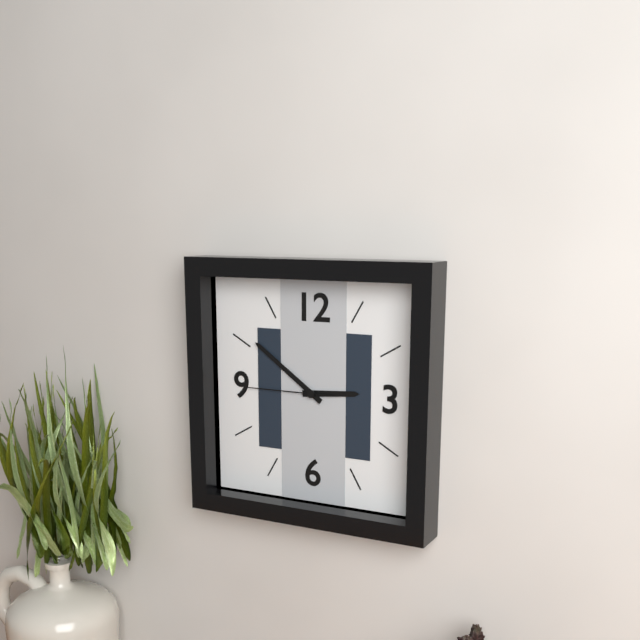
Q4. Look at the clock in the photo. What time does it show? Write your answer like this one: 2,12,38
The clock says 2,51,45
